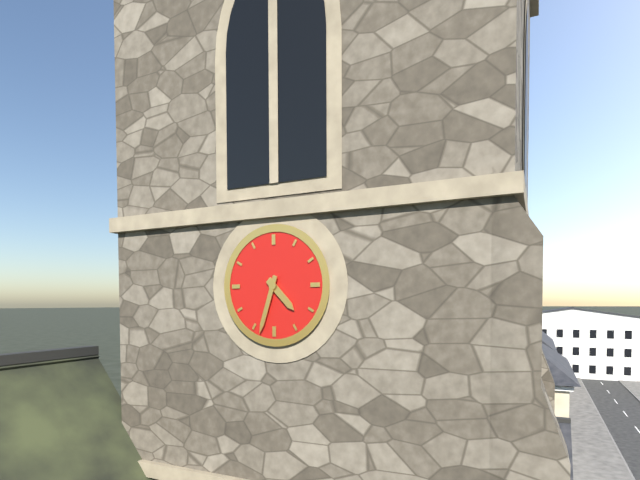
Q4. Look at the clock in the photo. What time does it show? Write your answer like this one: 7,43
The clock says 4,33
